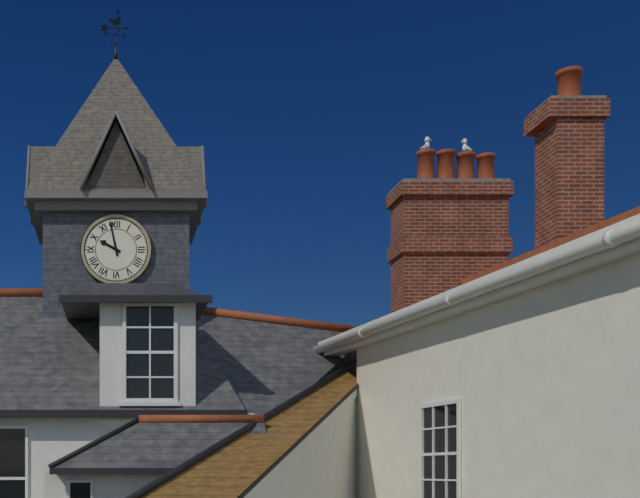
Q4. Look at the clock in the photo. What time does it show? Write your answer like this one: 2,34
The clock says 9,58
